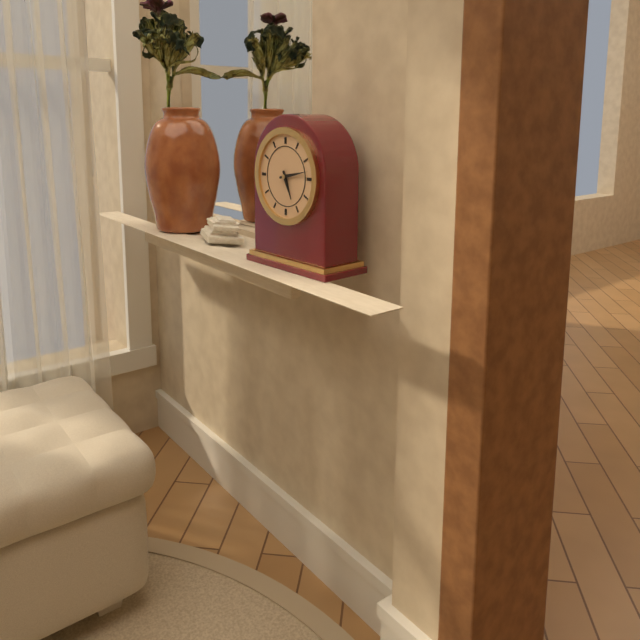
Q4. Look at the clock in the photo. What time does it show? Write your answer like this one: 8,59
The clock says 5,13
